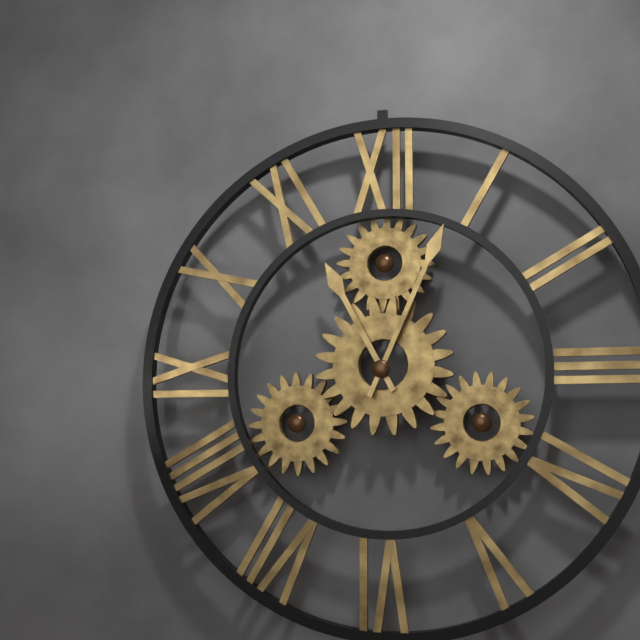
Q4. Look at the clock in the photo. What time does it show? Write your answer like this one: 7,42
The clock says 11,04
